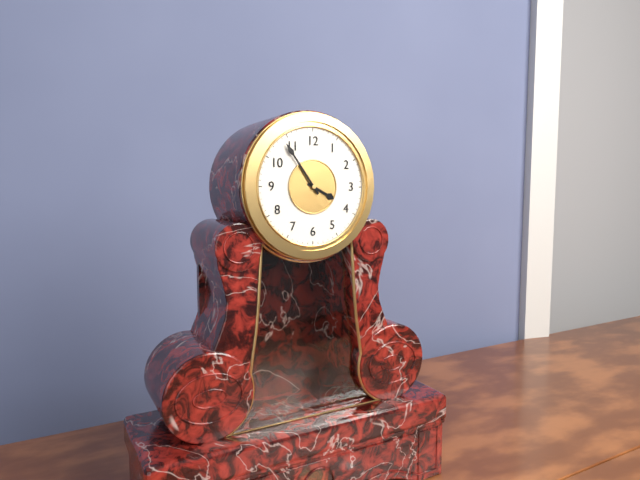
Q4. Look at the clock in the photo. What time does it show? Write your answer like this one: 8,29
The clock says 3,54
